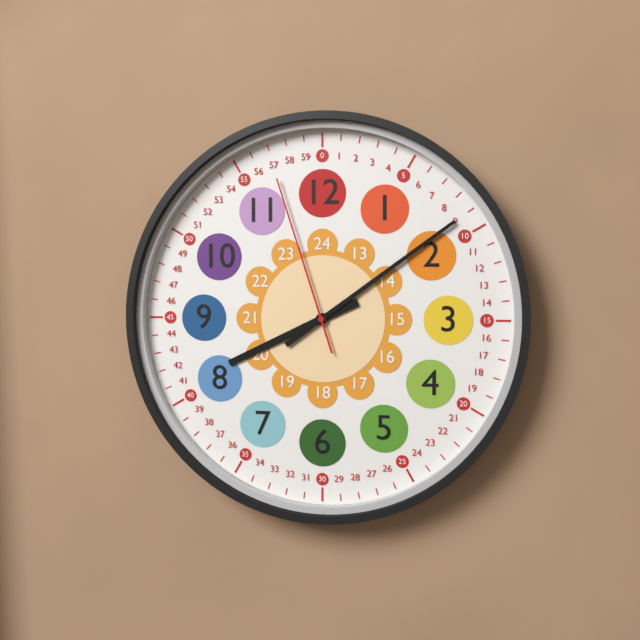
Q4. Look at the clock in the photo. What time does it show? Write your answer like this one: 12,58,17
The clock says 8,09,57
